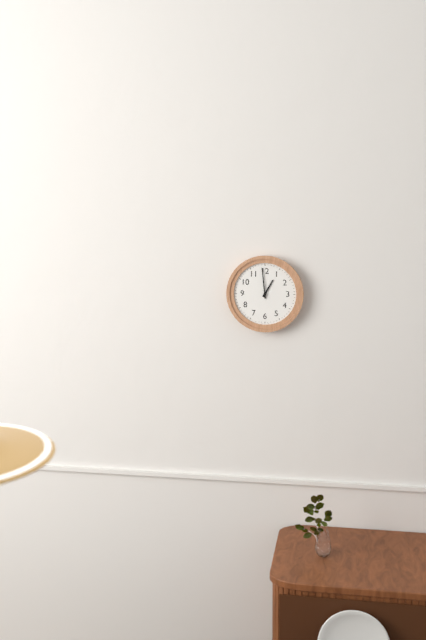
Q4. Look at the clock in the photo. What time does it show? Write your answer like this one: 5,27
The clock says 12,59
